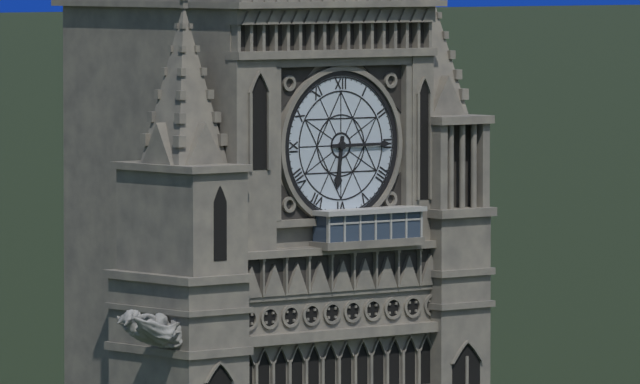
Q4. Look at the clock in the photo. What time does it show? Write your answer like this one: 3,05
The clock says 6,15
